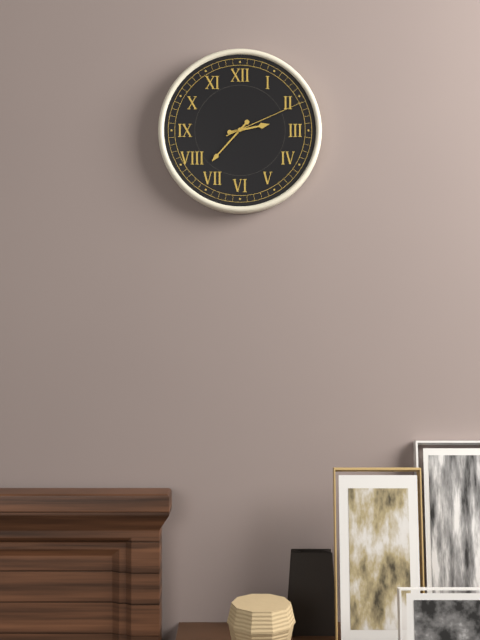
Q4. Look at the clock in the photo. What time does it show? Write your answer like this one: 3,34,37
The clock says 2,37,11
